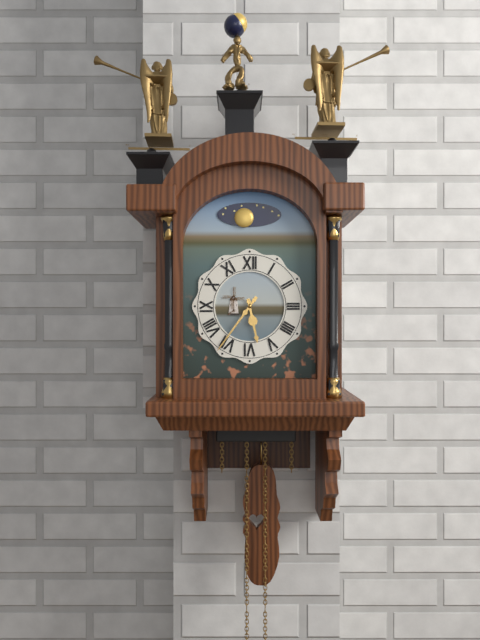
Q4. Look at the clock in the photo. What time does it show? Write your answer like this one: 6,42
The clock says 5,36
